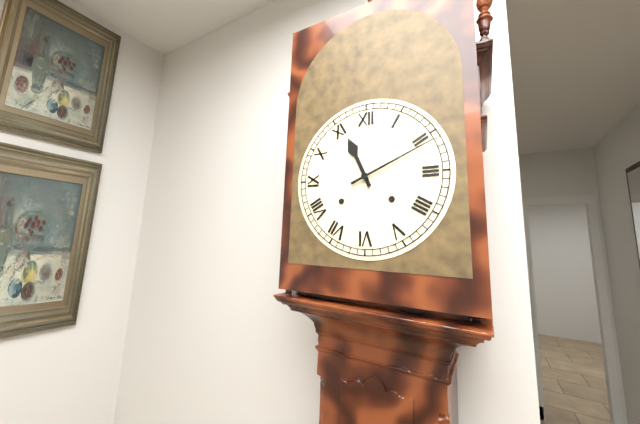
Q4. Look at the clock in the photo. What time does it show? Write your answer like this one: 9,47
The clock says 11,11
